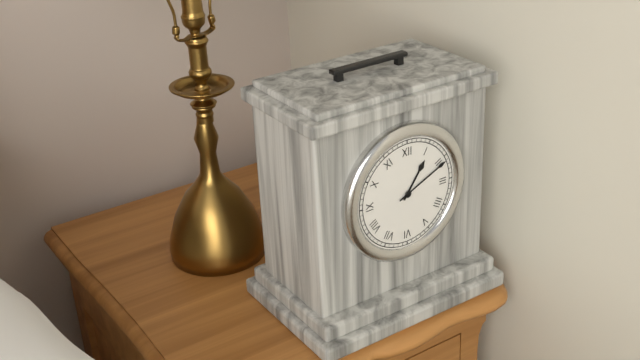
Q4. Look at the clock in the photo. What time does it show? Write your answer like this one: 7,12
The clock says 1,11
